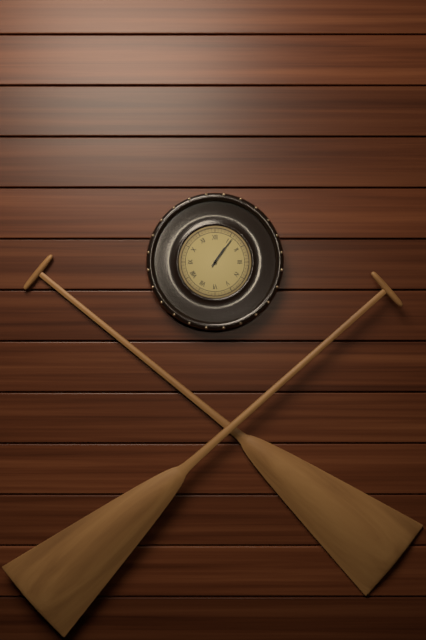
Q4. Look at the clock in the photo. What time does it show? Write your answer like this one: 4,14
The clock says 1,06
